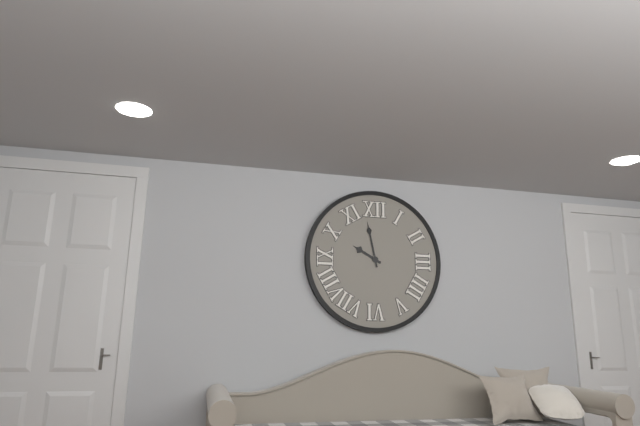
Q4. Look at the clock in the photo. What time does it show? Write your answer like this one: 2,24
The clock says 9,58
